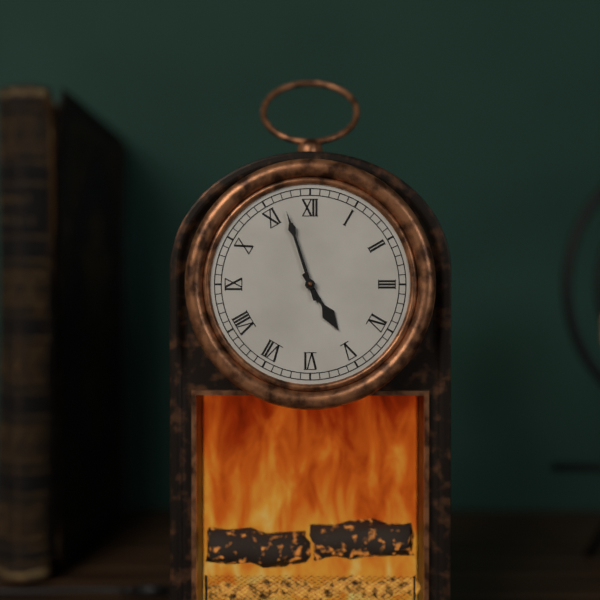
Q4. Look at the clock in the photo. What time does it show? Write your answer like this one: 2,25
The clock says 4,57
